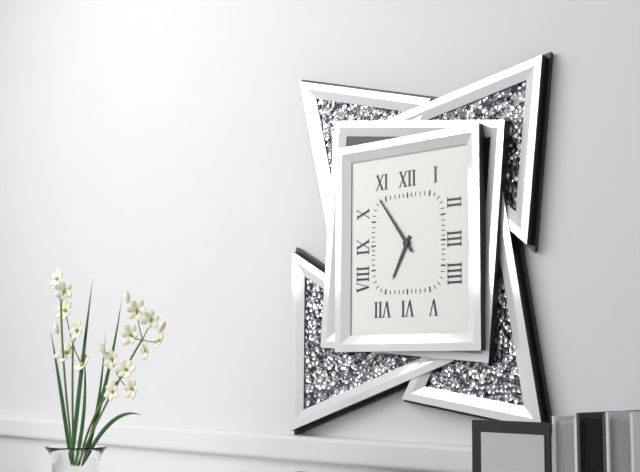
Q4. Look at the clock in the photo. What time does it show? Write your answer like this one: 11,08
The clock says 6,54
